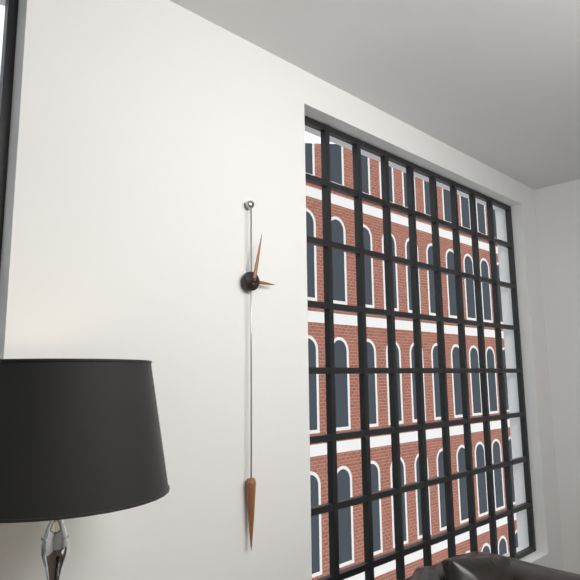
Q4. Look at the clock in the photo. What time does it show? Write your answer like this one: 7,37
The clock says 3,02
